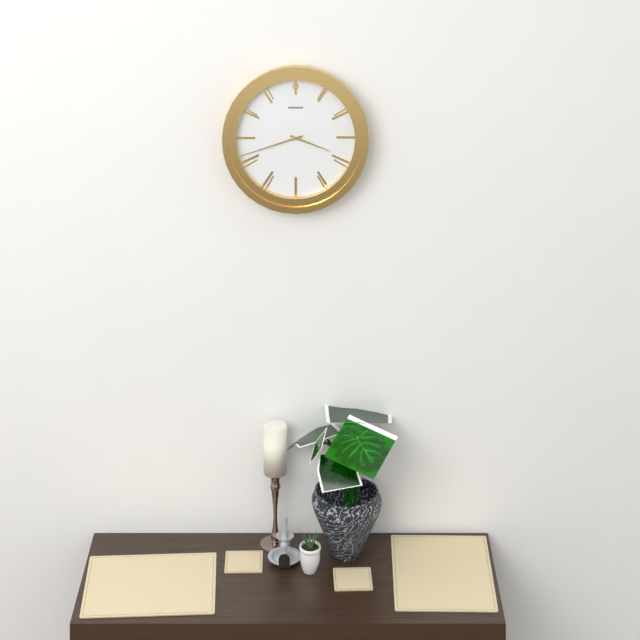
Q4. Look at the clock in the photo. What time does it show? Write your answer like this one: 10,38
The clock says 3,42
